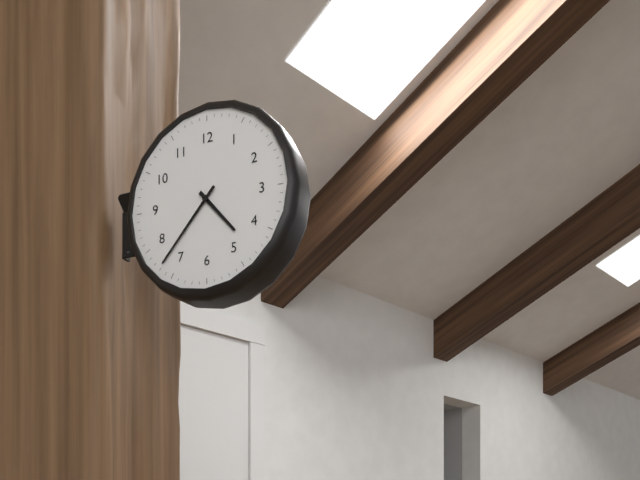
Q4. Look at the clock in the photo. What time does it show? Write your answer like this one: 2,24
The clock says 4,37
